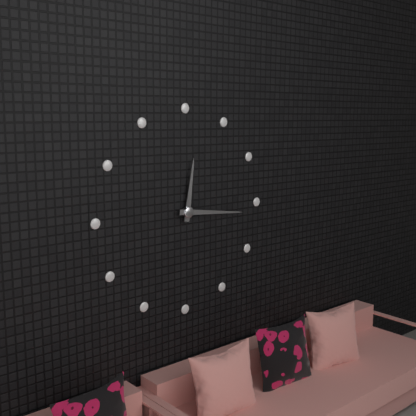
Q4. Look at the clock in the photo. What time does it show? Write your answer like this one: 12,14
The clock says 12,16
